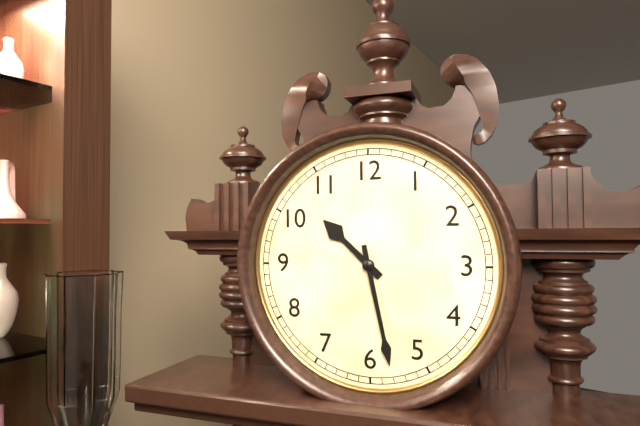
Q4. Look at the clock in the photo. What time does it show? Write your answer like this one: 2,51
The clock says 10,28
